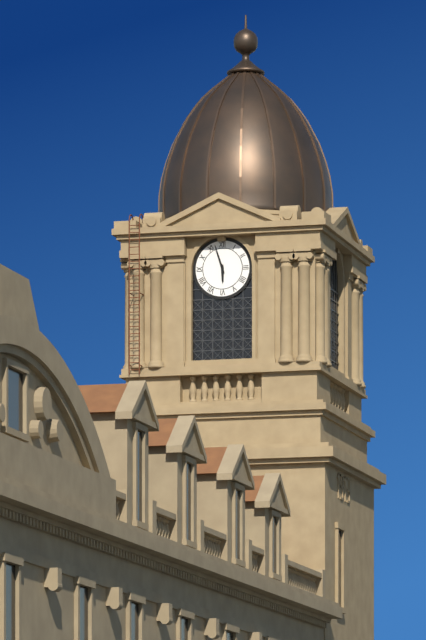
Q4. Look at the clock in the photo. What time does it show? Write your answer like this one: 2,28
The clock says 5,57
